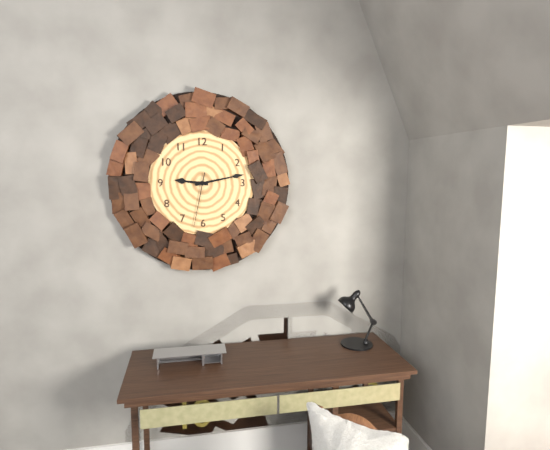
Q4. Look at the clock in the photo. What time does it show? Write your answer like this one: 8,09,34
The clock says 9,13,32
